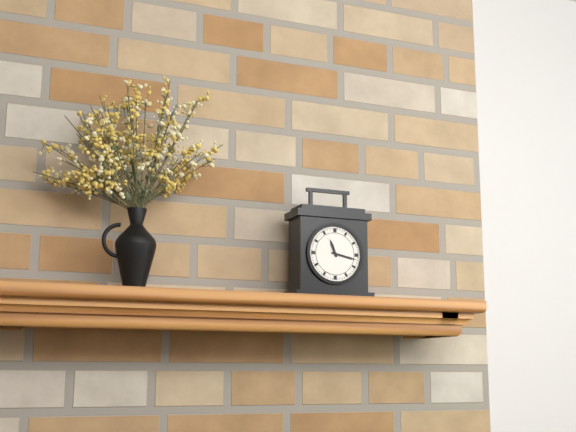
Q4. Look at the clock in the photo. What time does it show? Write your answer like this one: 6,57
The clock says 11,17
